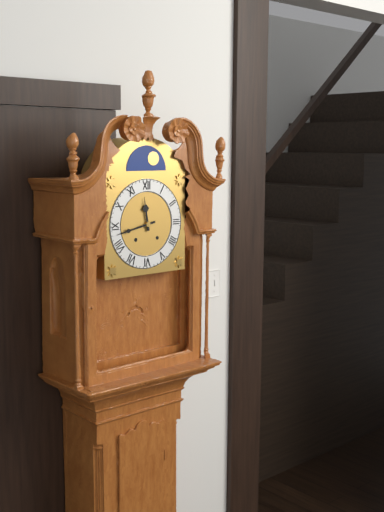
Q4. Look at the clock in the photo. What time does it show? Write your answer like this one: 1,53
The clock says 11,43
